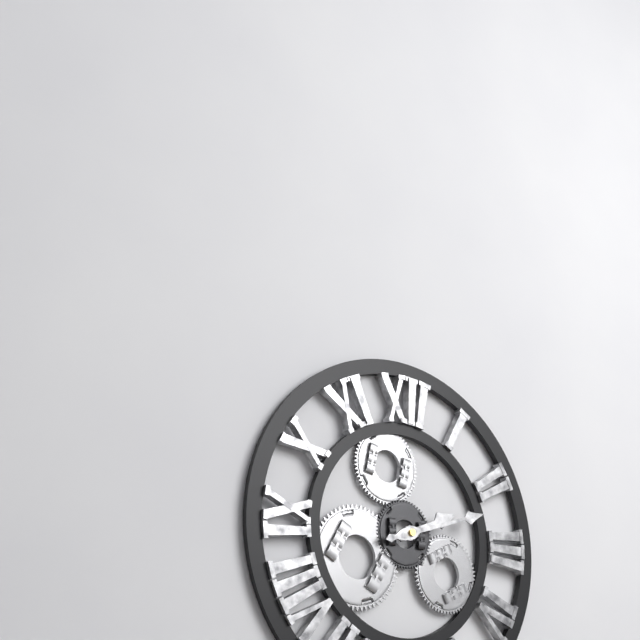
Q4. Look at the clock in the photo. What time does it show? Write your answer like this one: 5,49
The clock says 2,12
